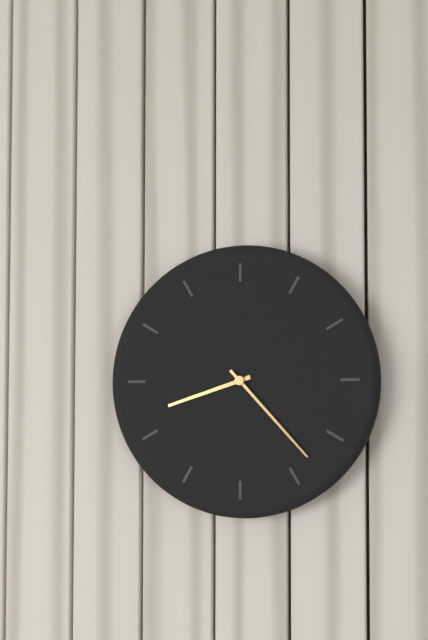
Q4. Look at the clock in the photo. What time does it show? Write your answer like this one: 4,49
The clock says 8,23
